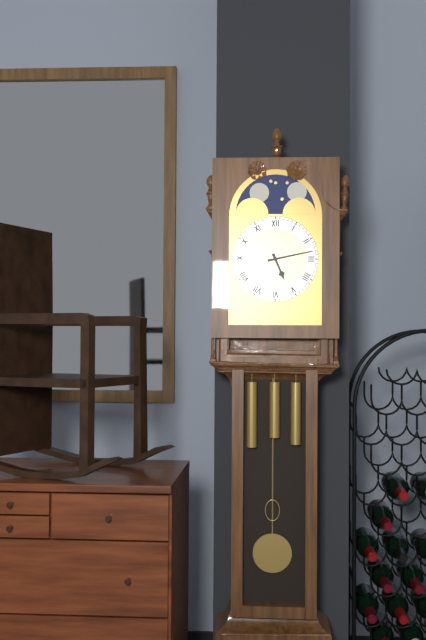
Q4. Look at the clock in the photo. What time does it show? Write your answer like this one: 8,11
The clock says 5,13
